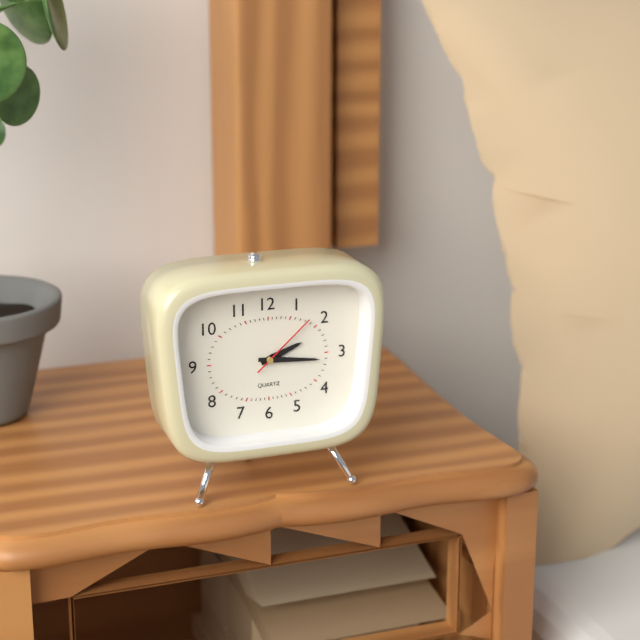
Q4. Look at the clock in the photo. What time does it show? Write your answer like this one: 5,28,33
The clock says 2,16,08
